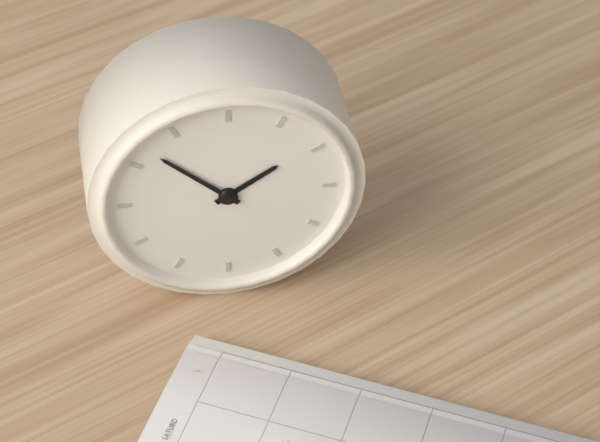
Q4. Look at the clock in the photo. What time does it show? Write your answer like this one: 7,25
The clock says 1,52
